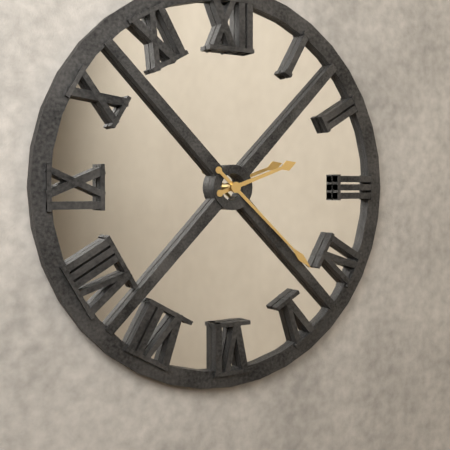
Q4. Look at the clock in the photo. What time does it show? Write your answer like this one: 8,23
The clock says 2,22
